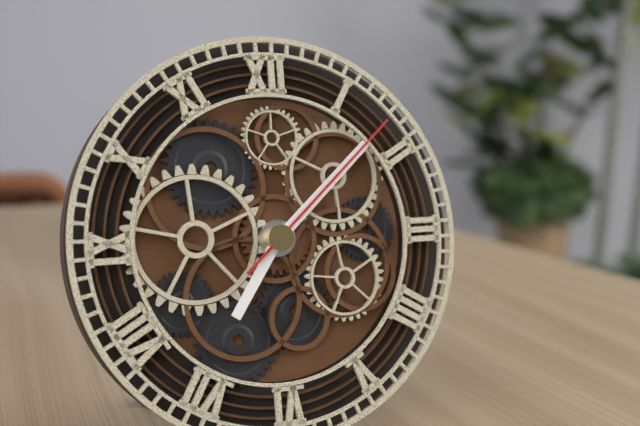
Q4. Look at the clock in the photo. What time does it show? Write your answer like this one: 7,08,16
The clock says 7,08,08
